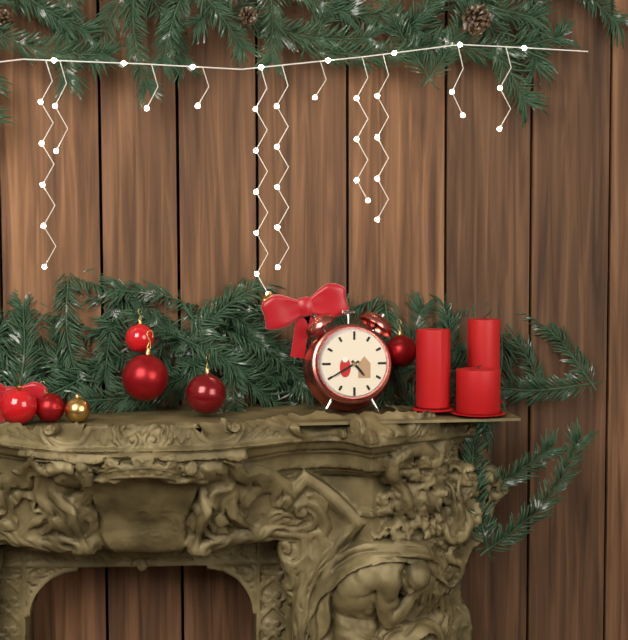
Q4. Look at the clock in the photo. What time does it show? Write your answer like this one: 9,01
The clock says 4,40
